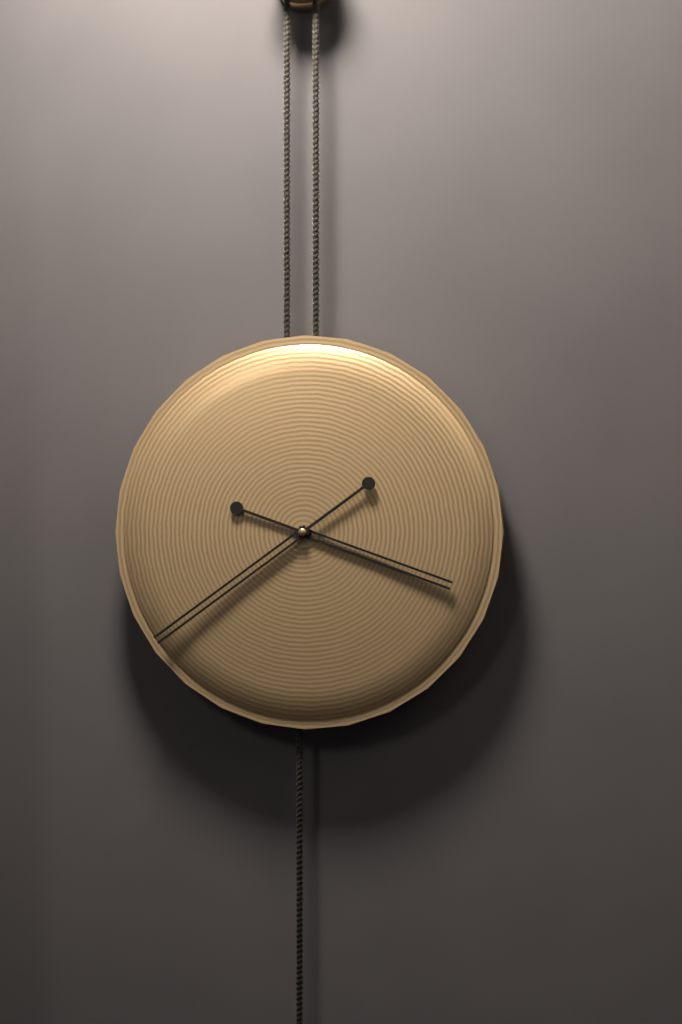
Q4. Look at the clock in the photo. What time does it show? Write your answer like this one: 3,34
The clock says 3,39
